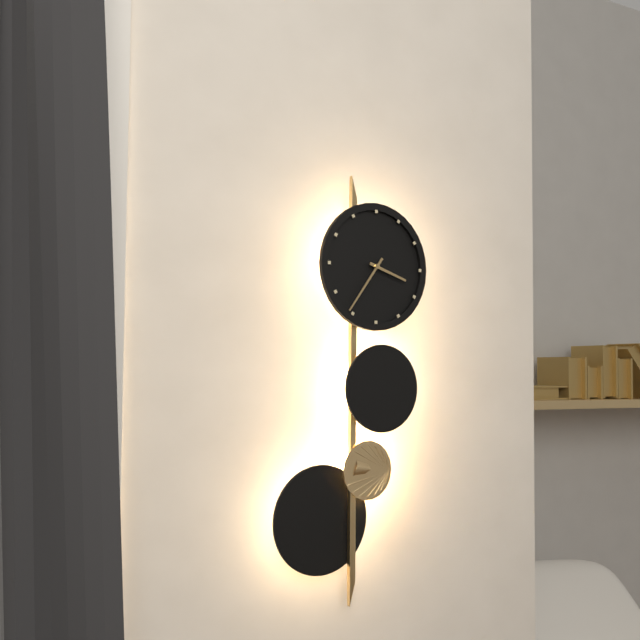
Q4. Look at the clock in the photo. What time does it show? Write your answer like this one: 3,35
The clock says 3,36
